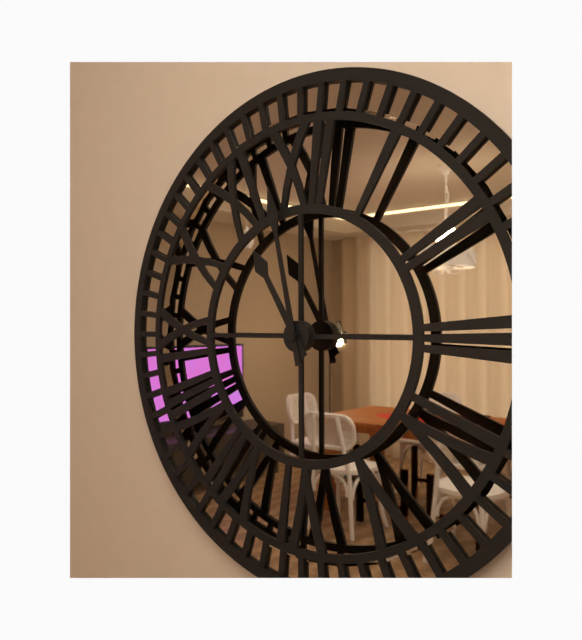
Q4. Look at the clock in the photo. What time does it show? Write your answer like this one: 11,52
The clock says 10,58
